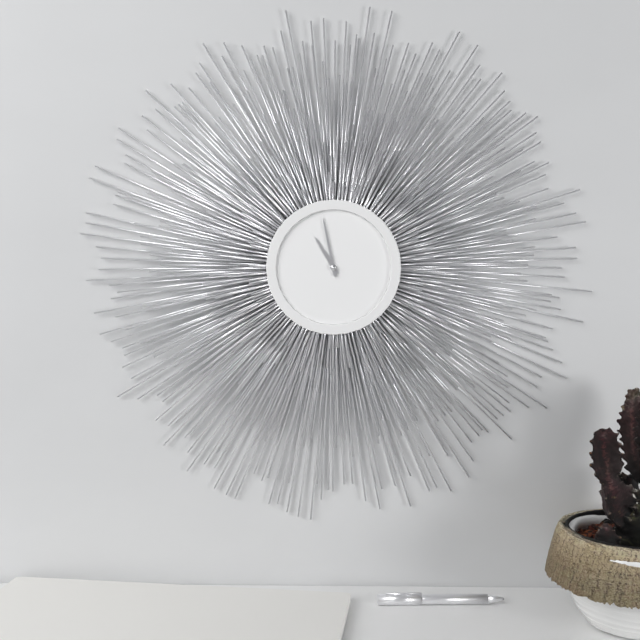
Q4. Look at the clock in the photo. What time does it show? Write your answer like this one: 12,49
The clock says 10,58
